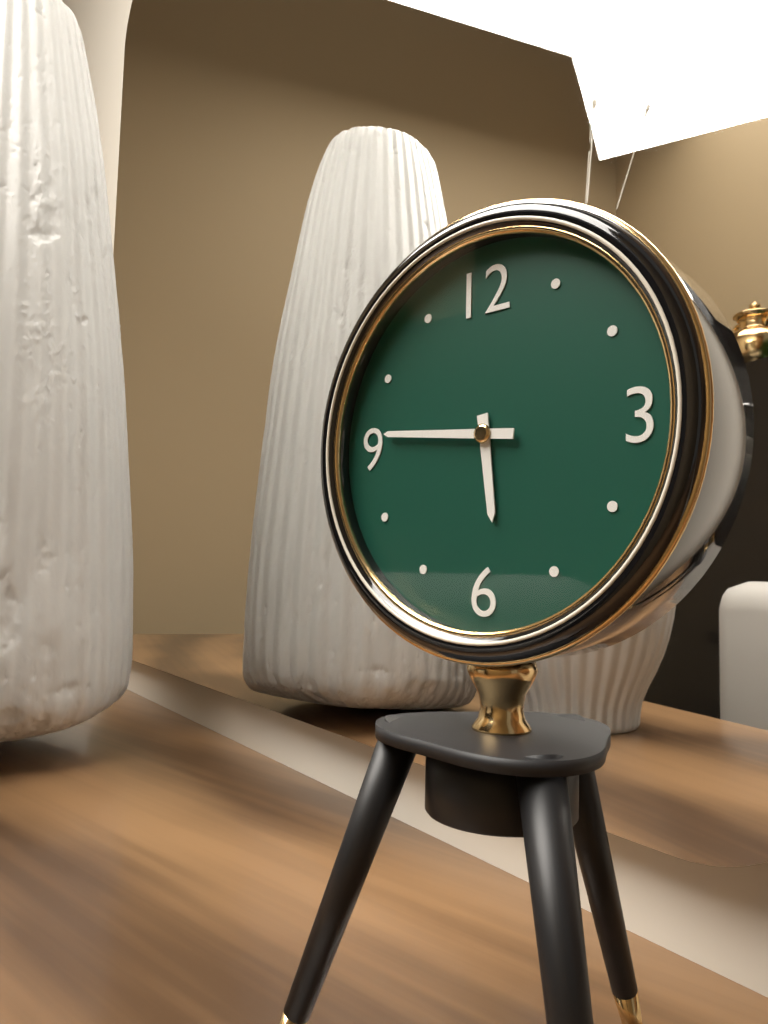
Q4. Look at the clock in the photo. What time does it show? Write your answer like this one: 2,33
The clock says 5,46
